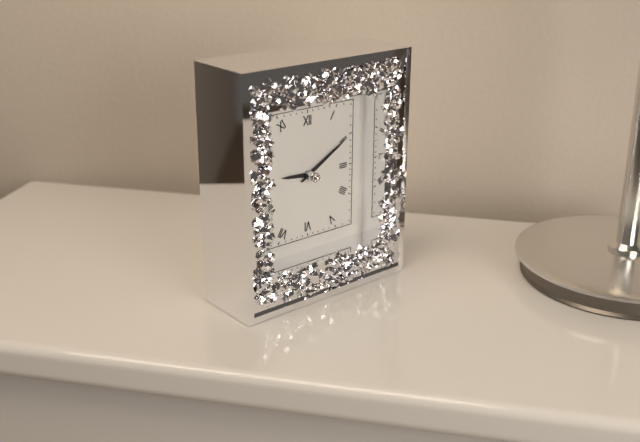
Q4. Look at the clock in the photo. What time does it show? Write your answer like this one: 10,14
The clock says 9,10
